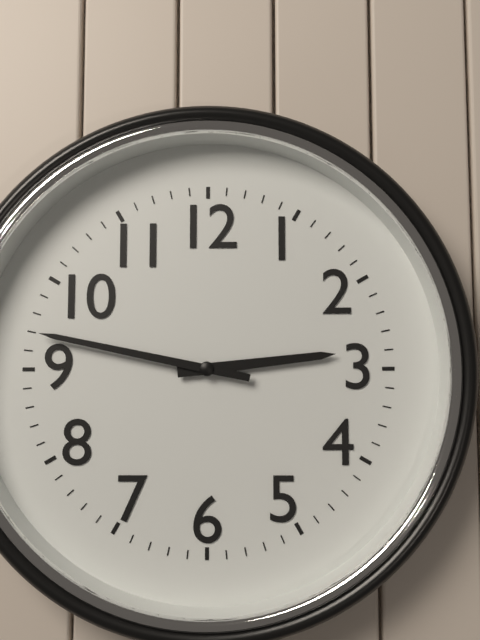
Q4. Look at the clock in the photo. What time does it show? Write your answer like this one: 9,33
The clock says 2,47
